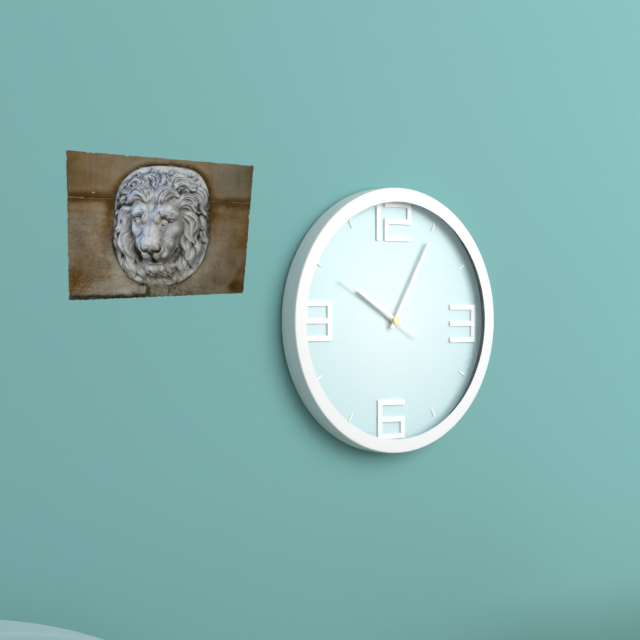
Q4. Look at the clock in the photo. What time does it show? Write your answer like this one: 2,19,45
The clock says 10,05,50
